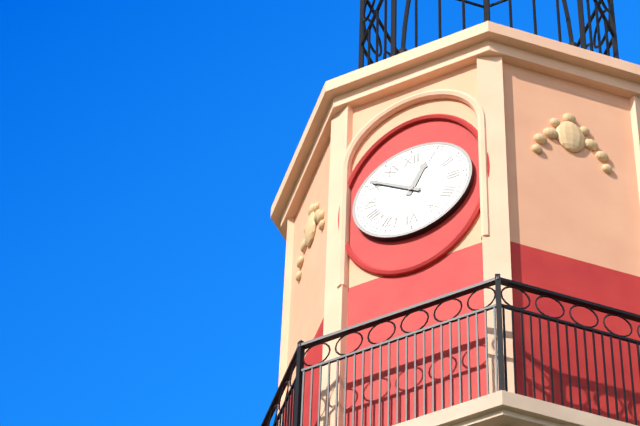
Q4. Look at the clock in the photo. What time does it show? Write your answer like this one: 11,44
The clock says 12,51
